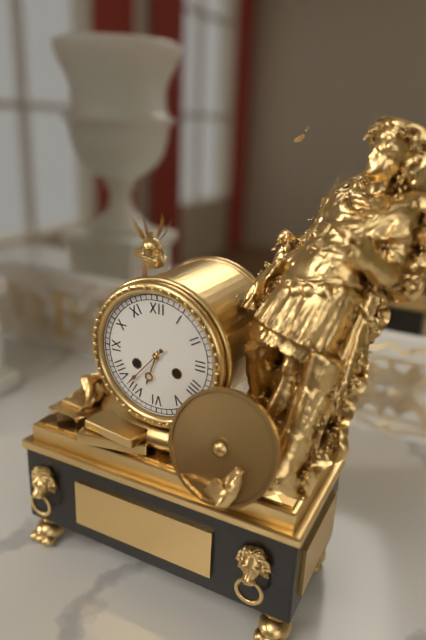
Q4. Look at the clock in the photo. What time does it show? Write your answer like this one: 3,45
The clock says 6,37
